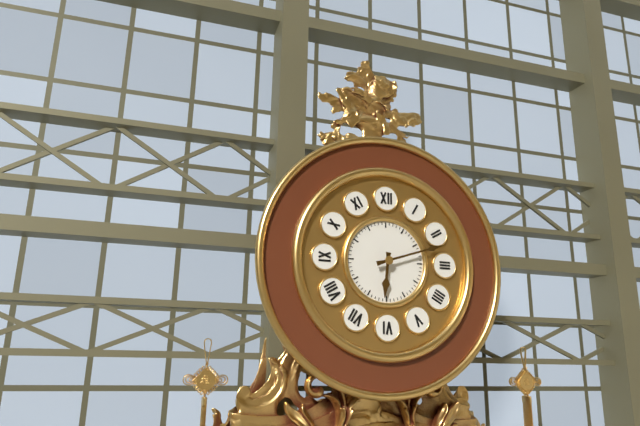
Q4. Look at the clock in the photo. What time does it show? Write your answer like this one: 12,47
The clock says 6,12
